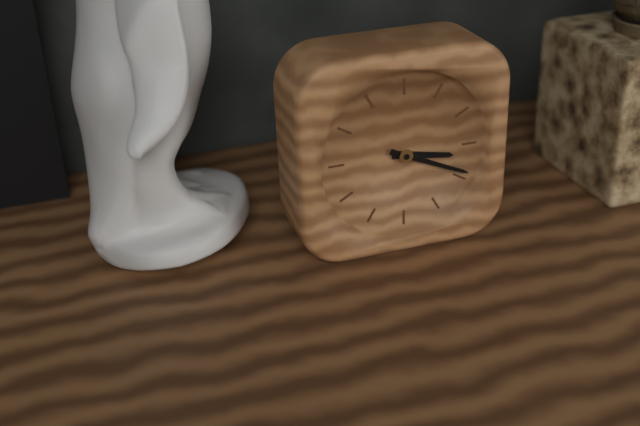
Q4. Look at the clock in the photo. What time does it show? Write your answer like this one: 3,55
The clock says 3,19
